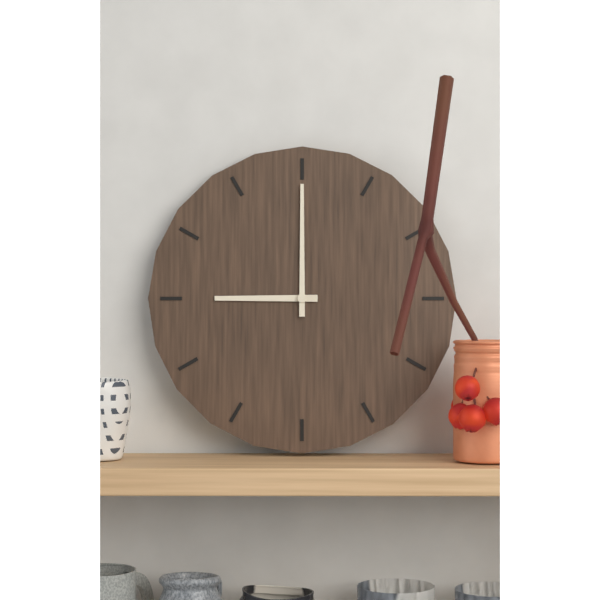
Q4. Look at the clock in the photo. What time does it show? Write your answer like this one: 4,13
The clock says 9,00
